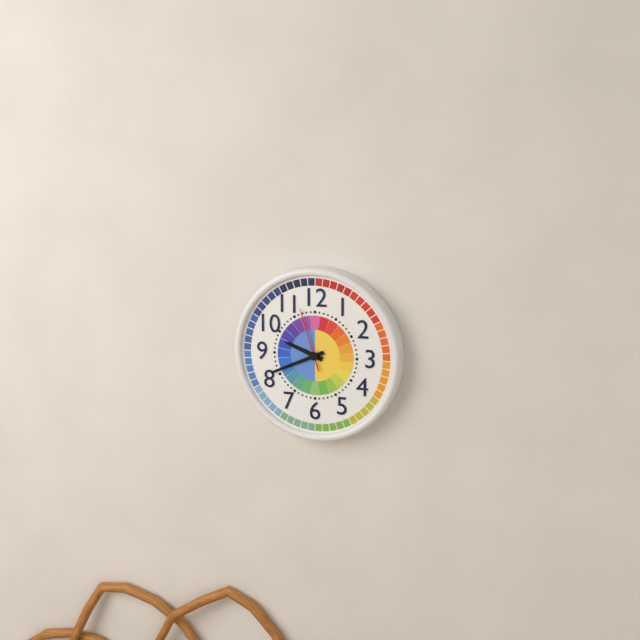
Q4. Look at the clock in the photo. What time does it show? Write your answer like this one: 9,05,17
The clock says 9,41,57
